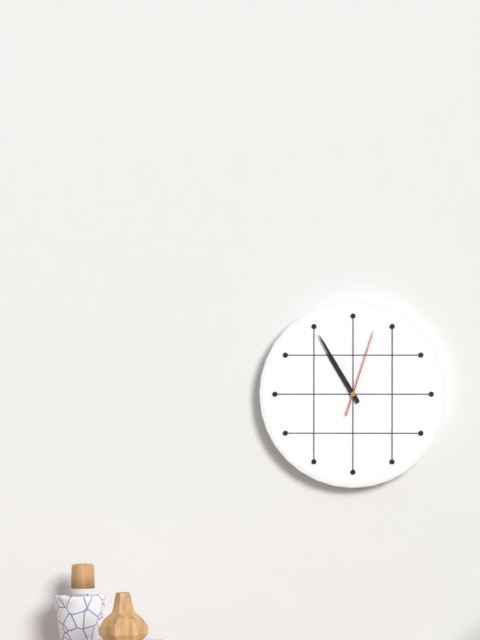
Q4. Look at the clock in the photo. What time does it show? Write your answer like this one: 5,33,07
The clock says 10,55,03
